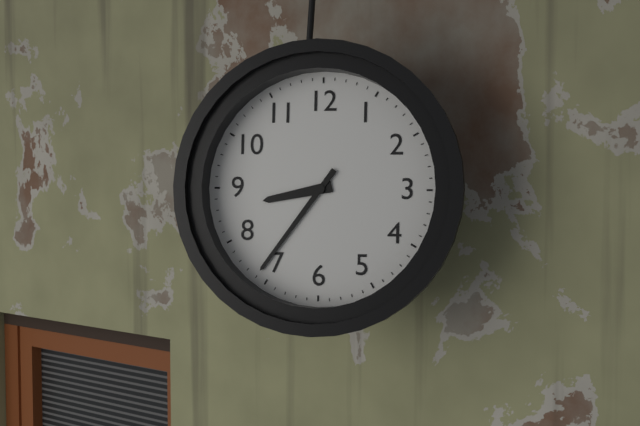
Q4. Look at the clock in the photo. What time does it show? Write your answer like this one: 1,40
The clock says 8,36
